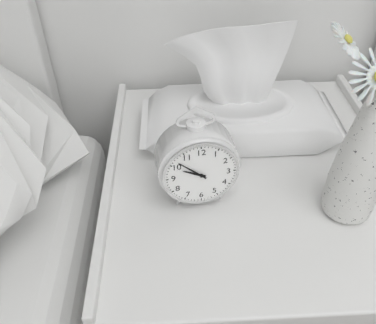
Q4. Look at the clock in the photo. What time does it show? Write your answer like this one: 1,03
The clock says 9,52
